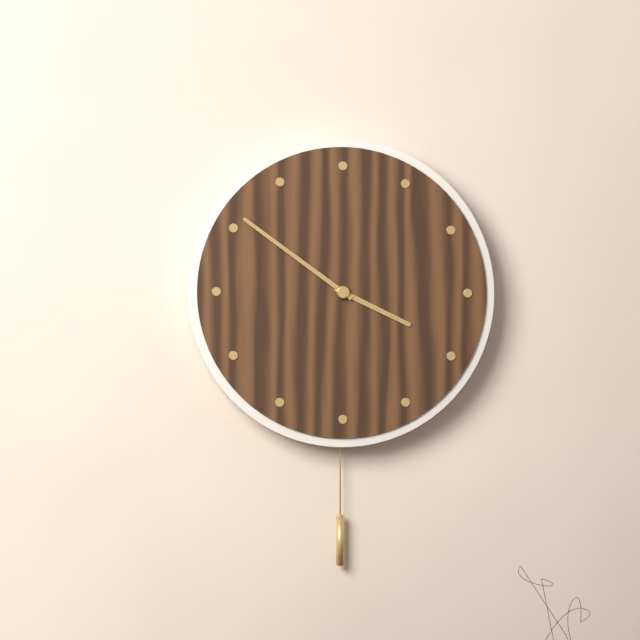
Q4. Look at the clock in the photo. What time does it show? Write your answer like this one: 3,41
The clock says 3,51
